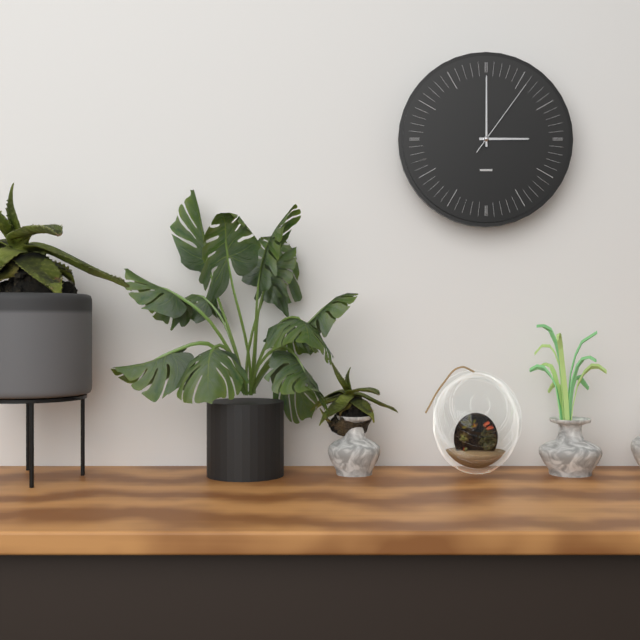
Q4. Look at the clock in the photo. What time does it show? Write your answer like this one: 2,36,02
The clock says 3,00,06
